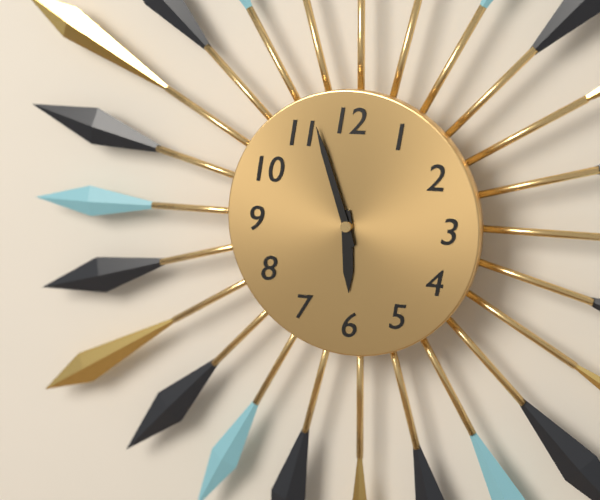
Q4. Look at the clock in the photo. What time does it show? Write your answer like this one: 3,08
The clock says 5,57
